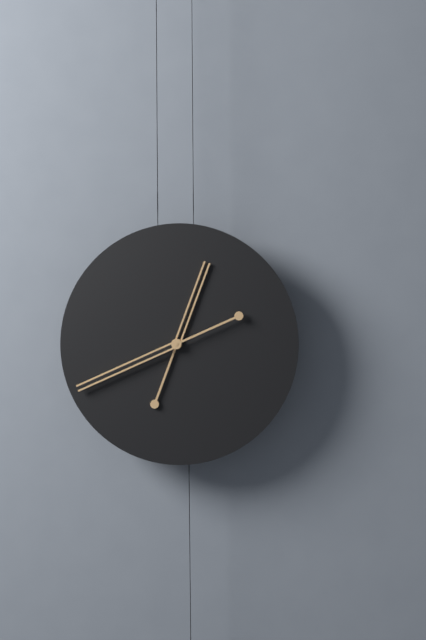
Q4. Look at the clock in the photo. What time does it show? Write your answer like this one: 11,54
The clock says 12,41
